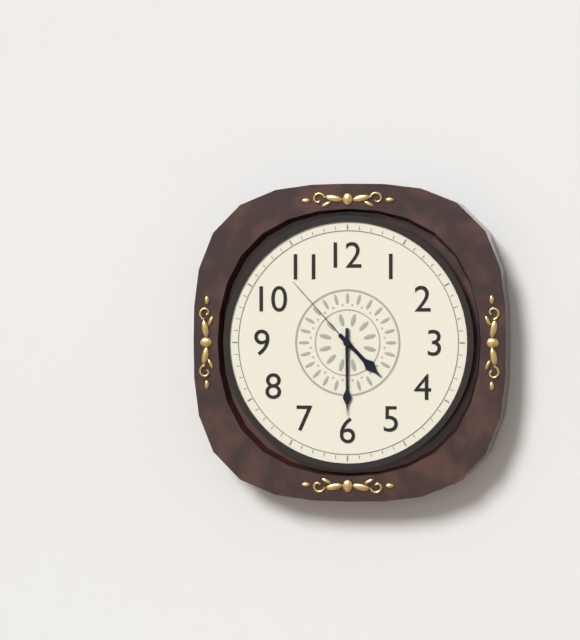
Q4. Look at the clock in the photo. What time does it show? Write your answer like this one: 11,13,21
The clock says 4,30,53
